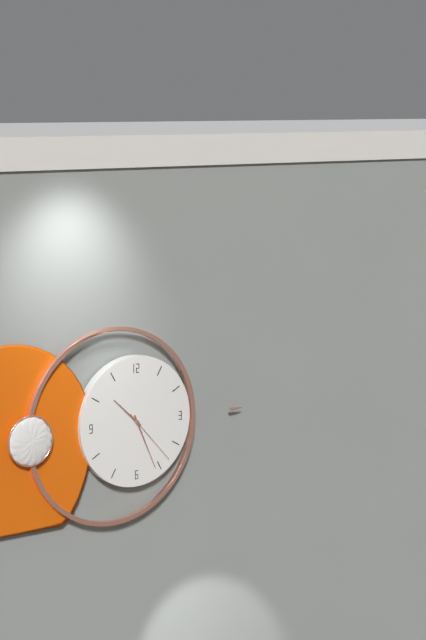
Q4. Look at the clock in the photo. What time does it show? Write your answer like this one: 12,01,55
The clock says 10,26,23
